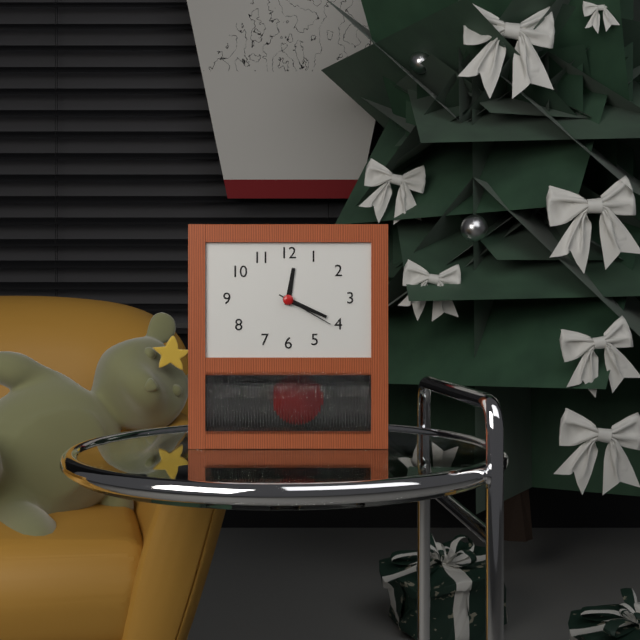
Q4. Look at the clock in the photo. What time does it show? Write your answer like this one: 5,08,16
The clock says 12,19,20
